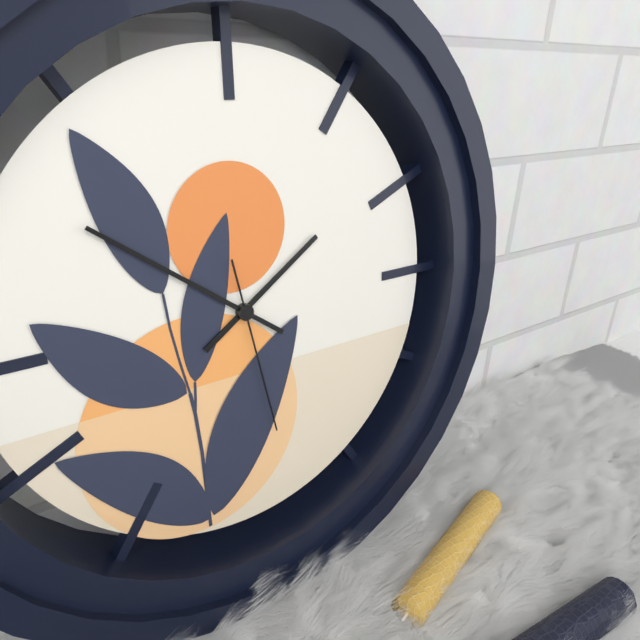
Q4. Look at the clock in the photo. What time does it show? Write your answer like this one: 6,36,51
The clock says 1,51,28
